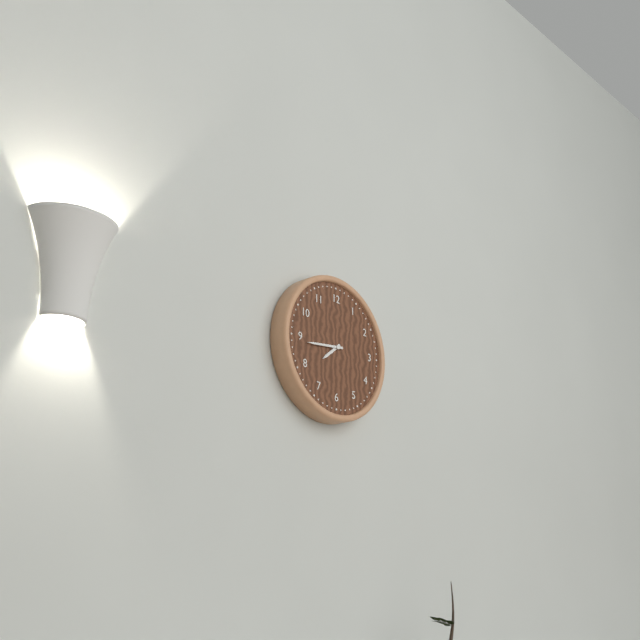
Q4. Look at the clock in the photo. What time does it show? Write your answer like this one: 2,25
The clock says 7,44
